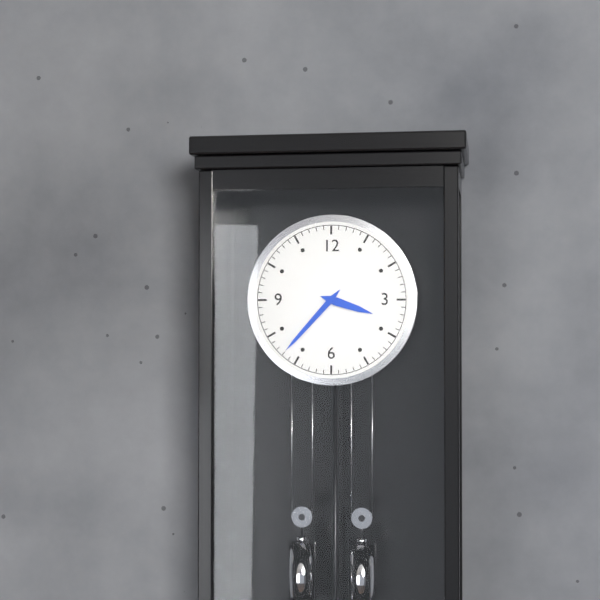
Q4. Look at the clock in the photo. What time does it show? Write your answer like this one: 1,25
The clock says 3,37
